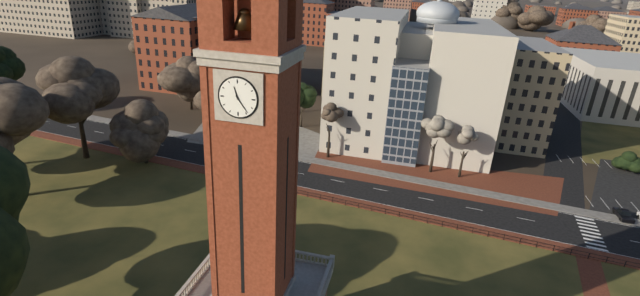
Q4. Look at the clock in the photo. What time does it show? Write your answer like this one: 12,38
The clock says 11,24
